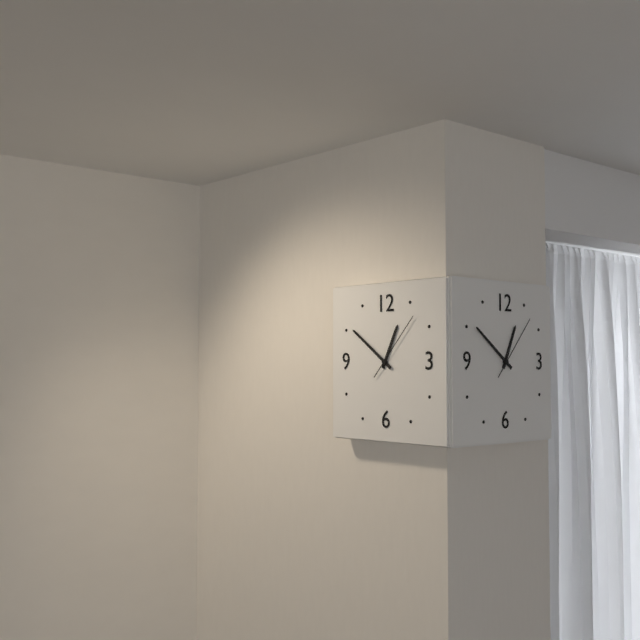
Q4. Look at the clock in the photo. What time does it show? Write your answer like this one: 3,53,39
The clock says 12,51,07
